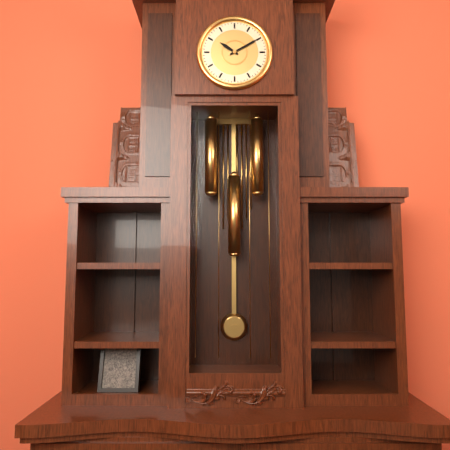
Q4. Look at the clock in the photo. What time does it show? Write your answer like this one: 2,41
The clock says 10,10
